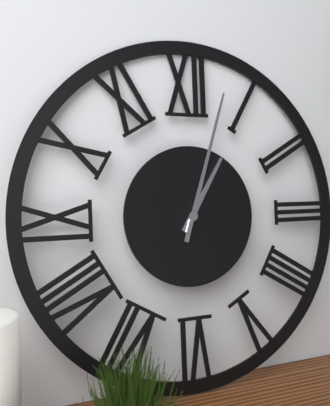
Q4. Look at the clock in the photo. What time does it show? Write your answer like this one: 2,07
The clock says 1,03
